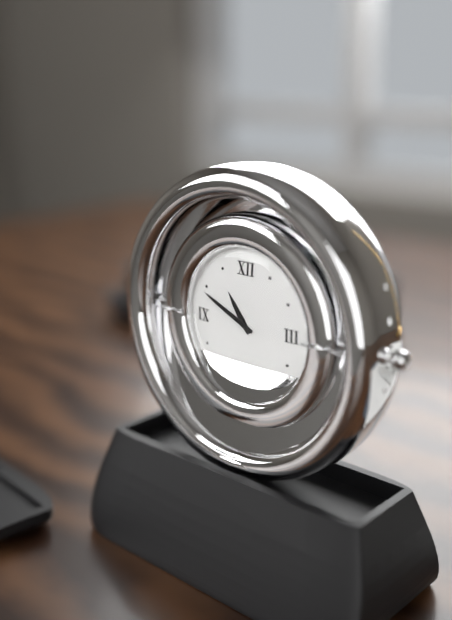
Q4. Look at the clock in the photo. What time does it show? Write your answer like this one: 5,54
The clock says 10,49
